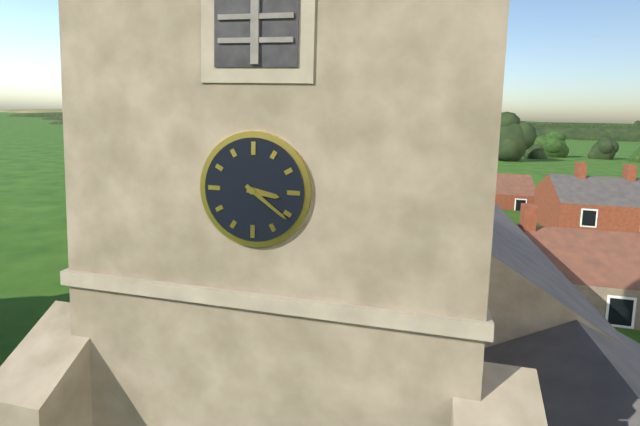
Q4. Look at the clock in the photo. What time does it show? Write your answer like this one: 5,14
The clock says 3,21
